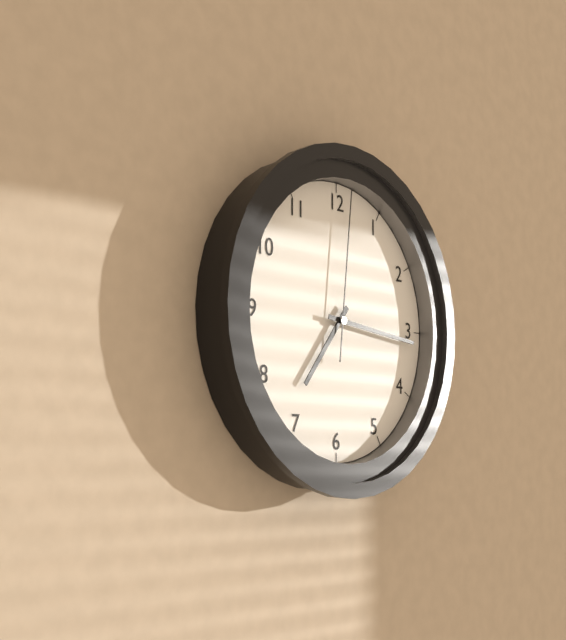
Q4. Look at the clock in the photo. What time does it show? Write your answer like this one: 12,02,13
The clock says 7,16,01
